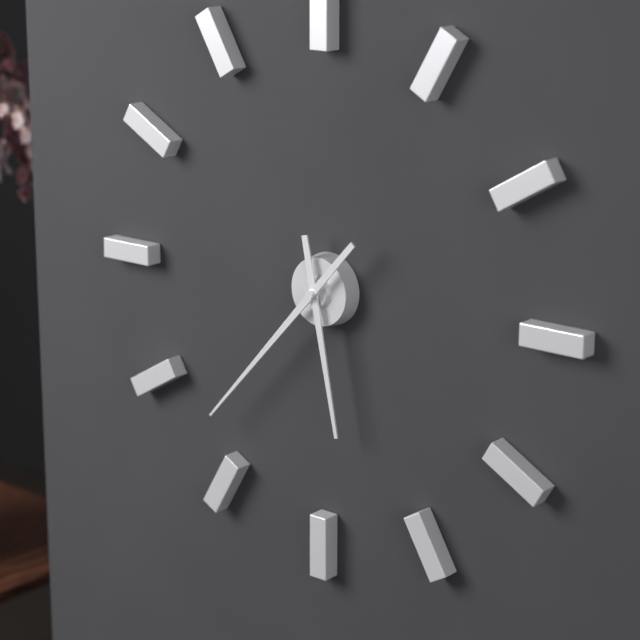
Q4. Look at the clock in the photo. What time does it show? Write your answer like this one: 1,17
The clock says 5,37
